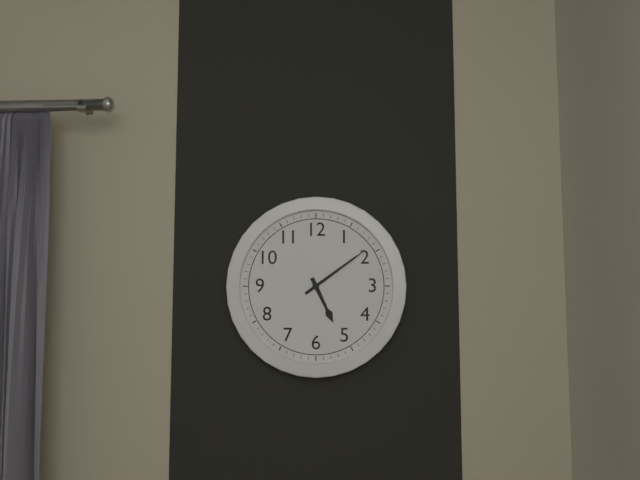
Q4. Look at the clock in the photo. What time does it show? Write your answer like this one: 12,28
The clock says 5,09
